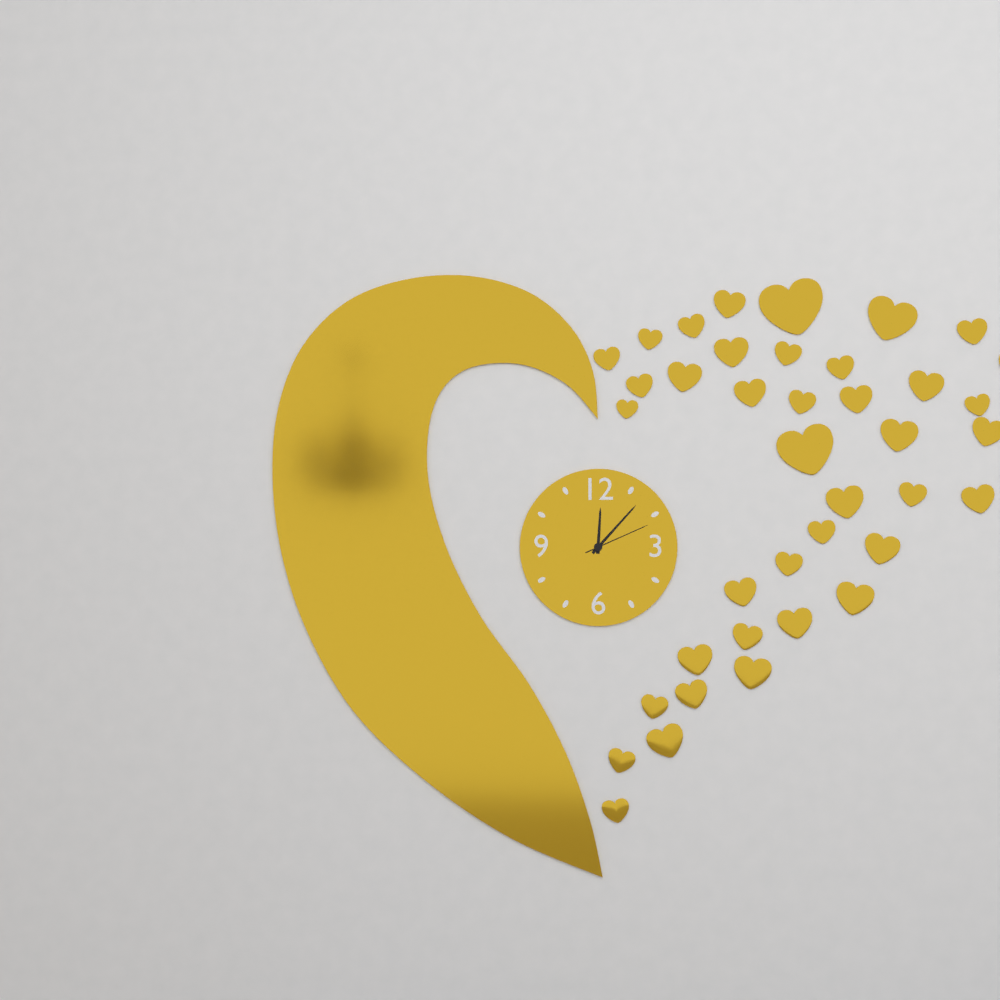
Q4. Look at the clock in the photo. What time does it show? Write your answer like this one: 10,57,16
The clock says 12,07,11
